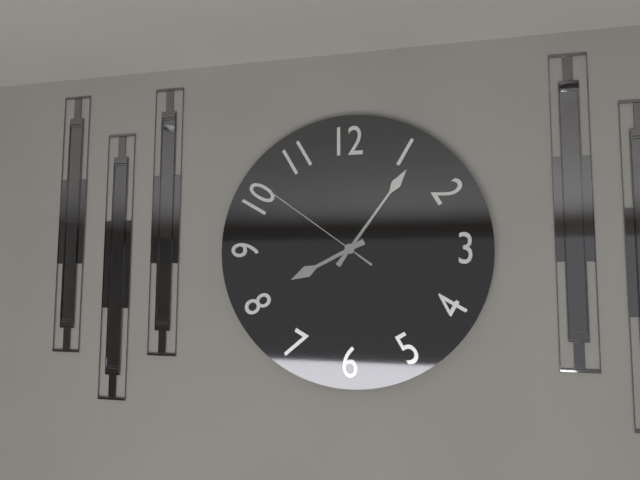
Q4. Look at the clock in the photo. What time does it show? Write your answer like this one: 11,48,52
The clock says 8,06,51
